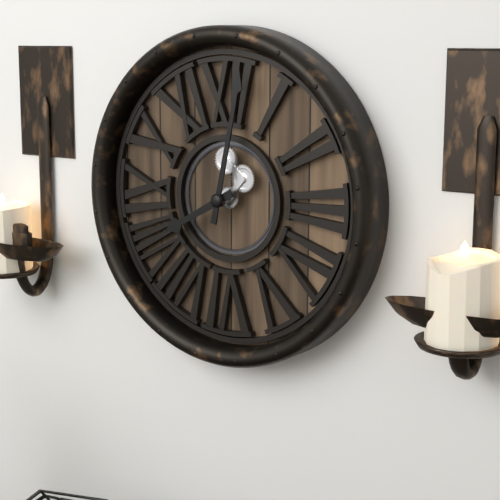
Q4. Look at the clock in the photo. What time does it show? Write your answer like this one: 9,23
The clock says 8,02
